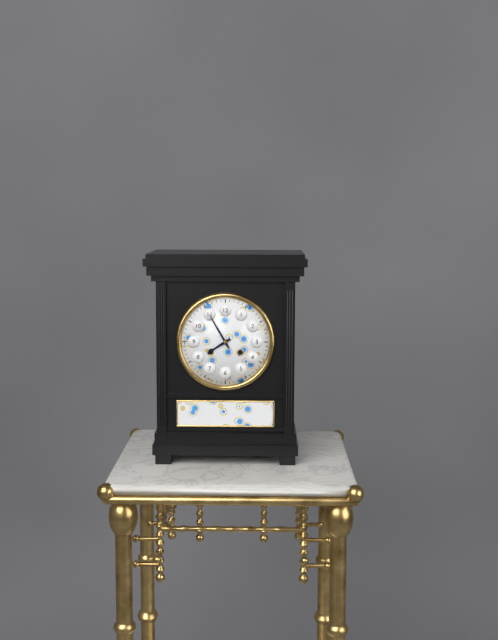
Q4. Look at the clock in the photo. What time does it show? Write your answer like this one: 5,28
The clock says 7,55
